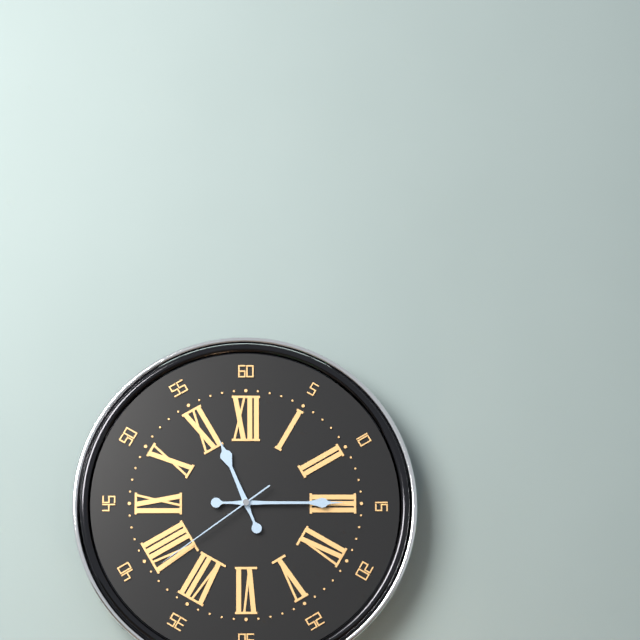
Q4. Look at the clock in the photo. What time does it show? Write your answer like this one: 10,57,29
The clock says 11,15,39
